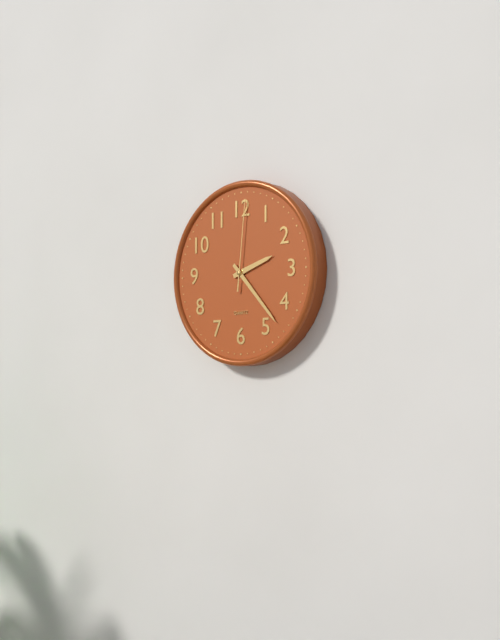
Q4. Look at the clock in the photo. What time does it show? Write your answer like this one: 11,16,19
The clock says 2,23,01
